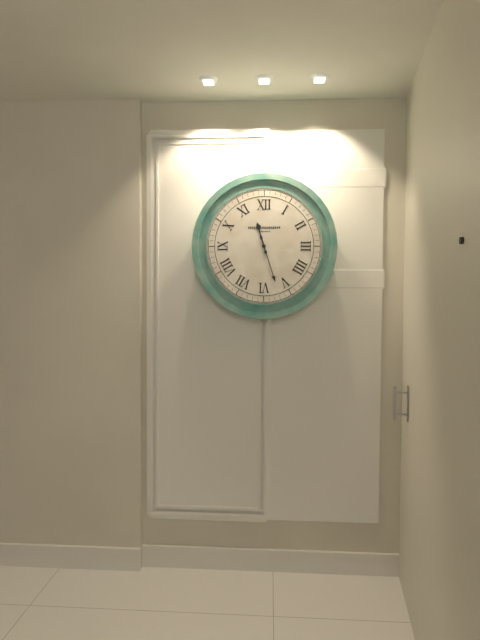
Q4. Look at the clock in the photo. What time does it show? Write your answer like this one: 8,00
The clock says 11,27
